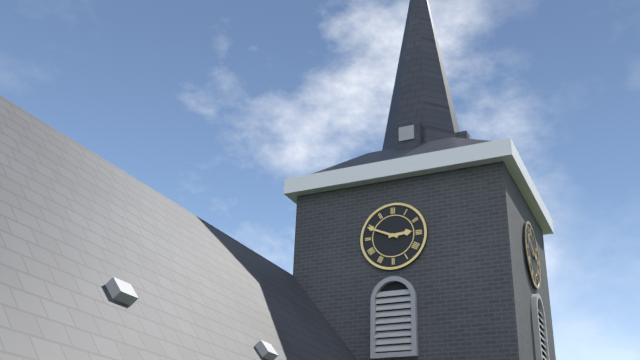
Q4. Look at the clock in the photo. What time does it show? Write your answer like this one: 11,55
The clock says 2,49
